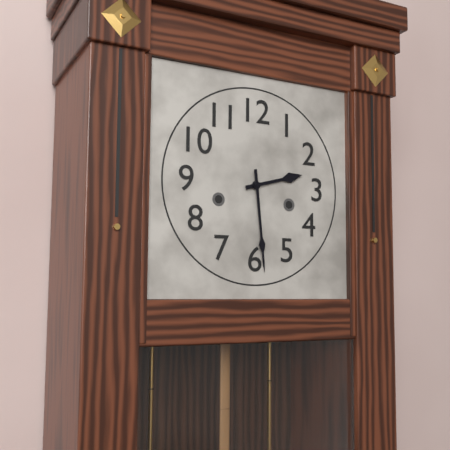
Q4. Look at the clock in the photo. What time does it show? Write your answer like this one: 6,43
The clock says 2,29
